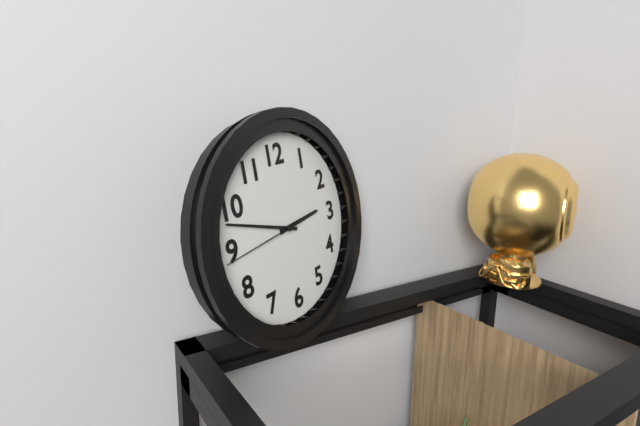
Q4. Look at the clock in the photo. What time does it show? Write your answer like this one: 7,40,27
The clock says 2,48,44
